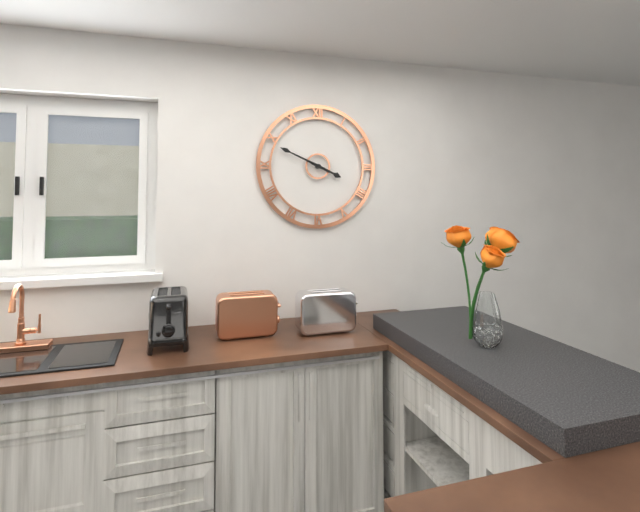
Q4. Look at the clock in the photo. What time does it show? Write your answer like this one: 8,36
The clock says 3,49
